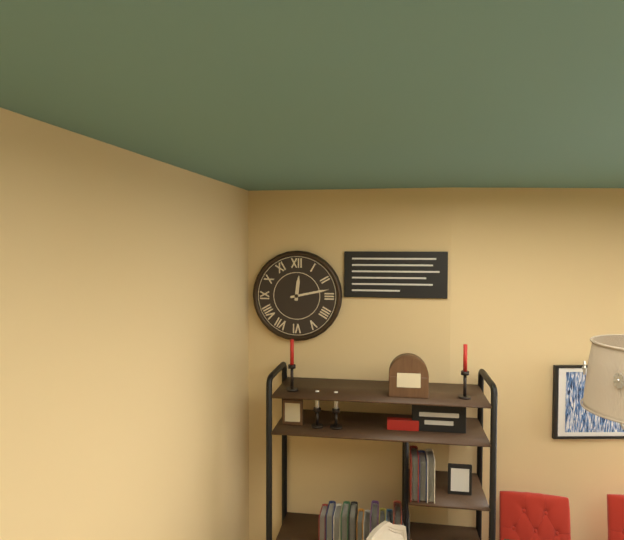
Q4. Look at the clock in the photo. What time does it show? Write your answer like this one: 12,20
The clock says 12,13
